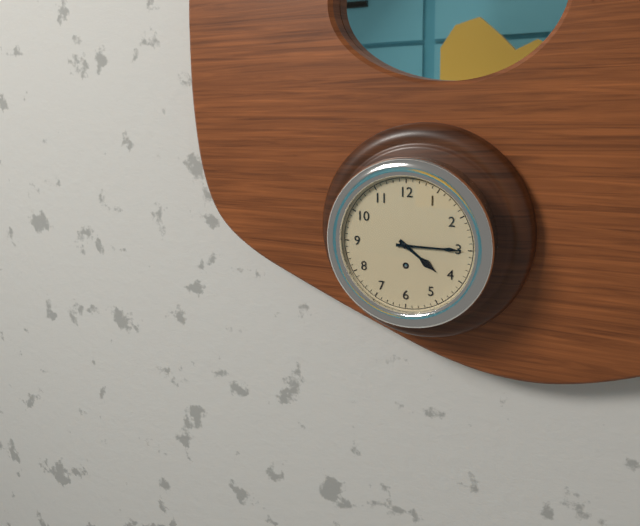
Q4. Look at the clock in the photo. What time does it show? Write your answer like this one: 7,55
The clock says 4,15
